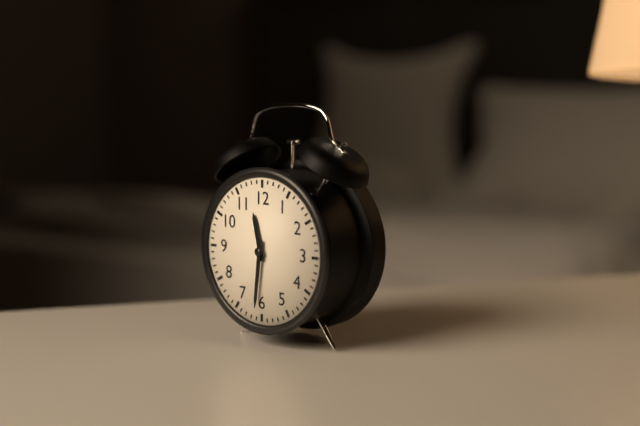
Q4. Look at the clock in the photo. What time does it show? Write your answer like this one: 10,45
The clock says 11,31
